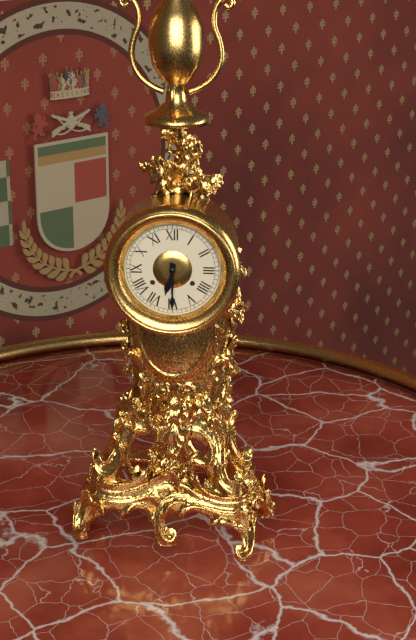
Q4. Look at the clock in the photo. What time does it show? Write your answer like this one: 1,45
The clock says 6,30
